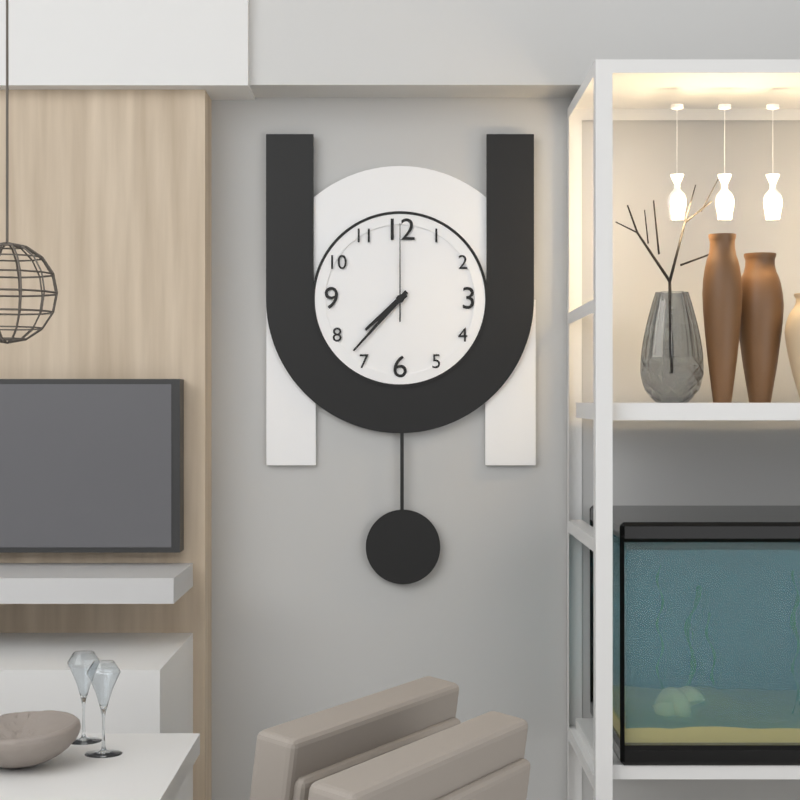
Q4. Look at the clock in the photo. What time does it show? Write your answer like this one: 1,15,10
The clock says 7,37,00
